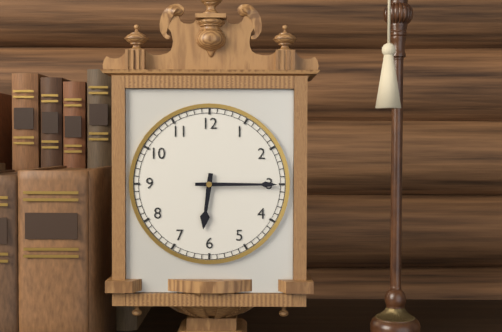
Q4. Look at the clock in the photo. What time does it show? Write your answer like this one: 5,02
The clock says 6,15
